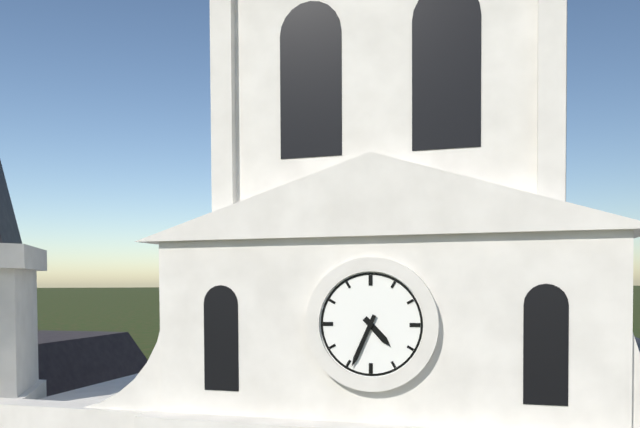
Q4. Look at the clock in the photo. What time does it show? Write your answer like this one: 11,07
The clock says 4,34
